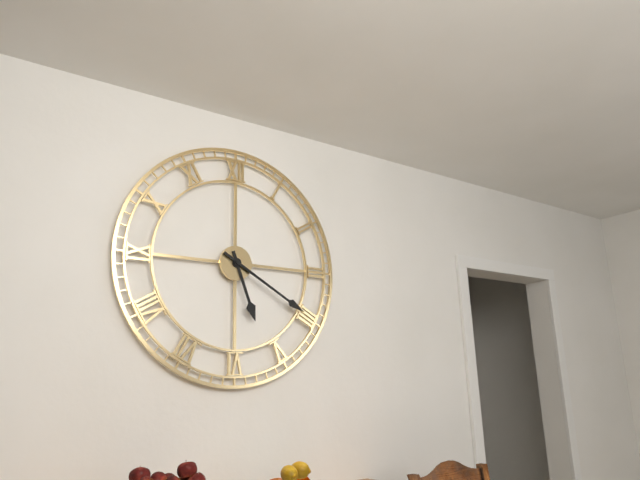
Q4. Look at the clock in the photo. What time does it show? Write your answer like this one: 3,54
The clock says 5,20
